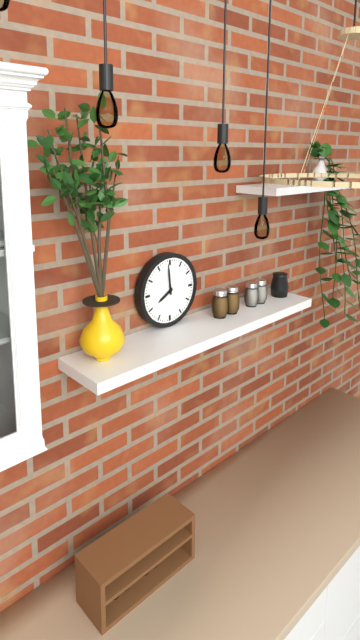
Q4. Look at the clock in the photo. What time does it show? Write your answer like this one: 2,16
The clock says 7,59
